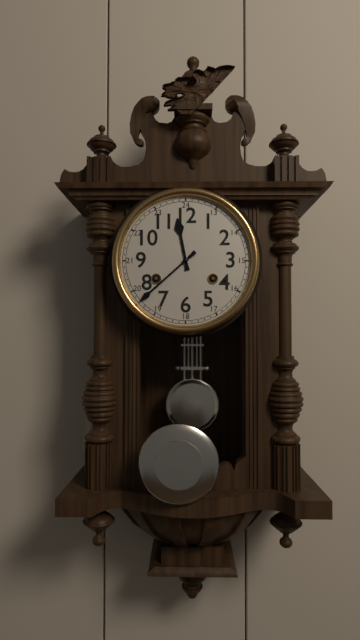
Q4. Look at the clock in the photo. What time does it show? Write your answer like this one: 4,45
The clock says 11,38
